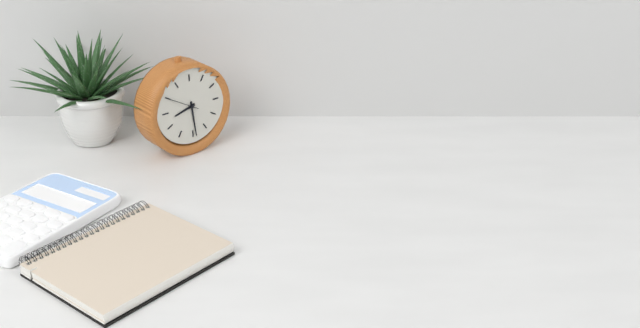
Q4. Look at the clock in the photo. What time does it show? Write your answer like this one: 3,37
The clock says 8,29
